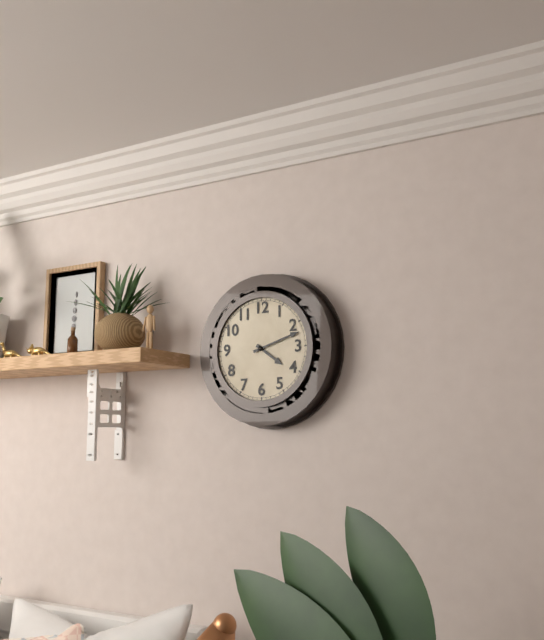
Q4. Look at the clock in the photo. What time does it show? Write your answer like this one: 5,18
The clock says 4,12
